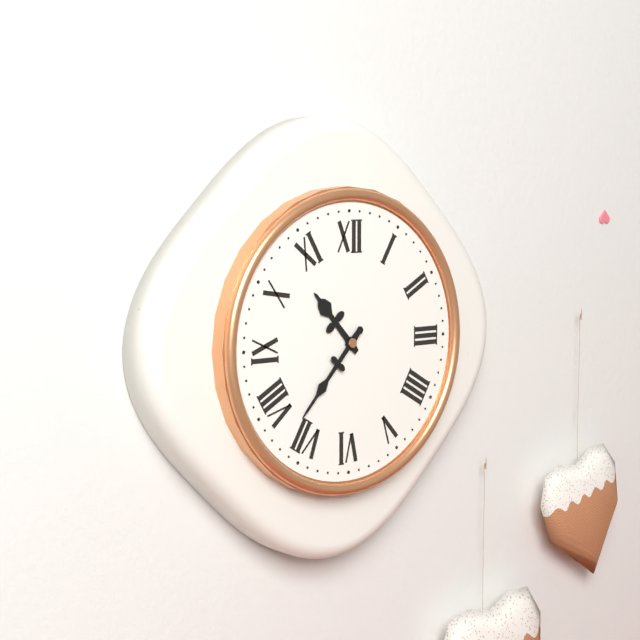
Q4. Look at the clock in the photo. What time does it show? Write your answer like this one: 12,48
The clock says 10,37
